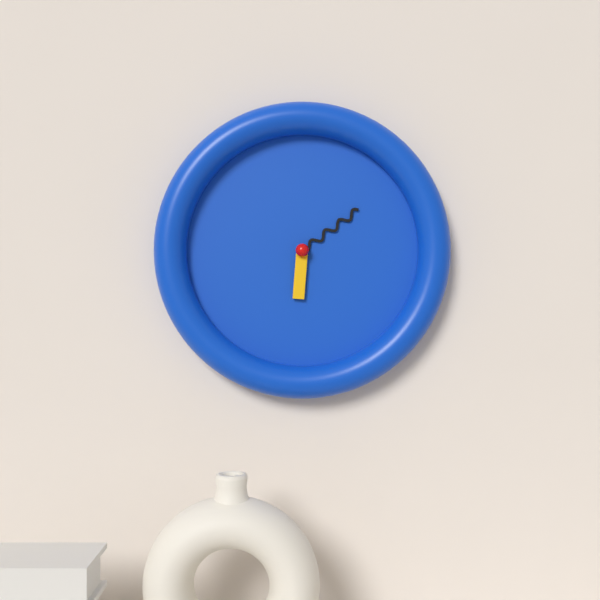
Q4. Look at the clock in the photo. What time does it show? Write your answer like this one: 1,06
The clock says 6,09
